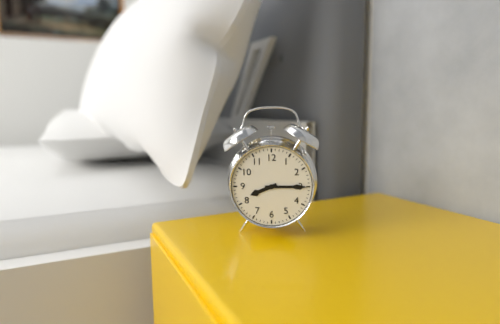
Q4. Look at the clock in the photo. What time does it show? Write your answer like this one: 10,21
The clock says 8,15
